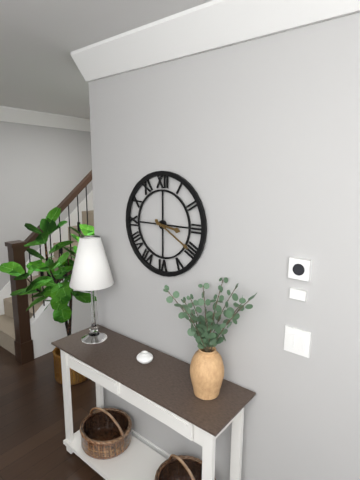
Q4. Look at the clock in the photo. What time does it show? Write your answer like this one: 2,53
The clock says 3,20
